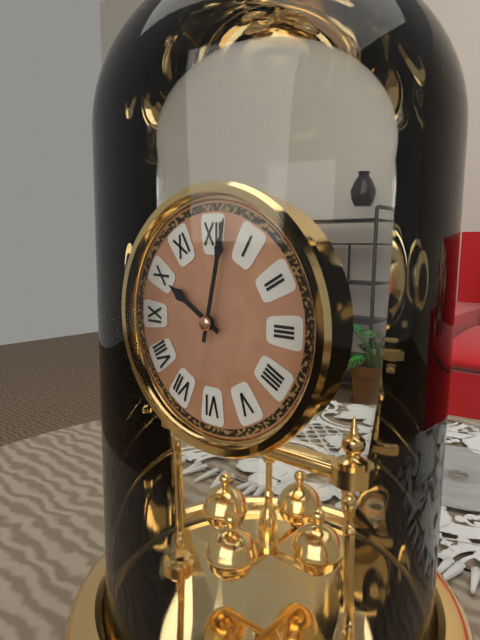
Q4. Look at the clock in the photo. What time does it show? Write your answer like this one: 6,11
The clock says 10,02
